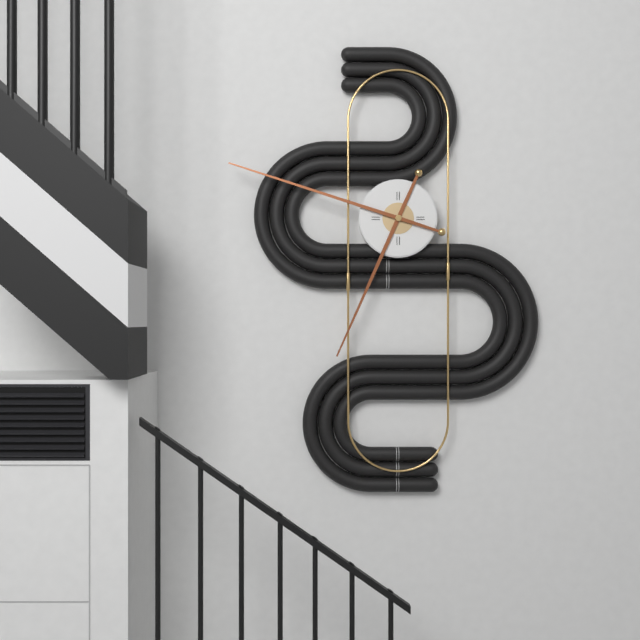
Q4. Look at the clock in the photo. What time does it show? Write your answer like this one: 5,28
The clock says 6,48
